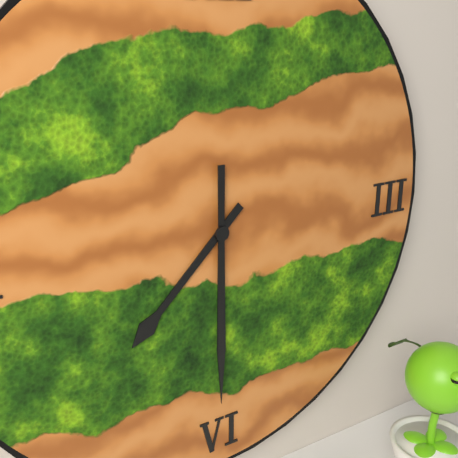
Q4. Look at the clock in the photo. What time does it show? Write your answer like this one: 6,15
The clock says 7,30
